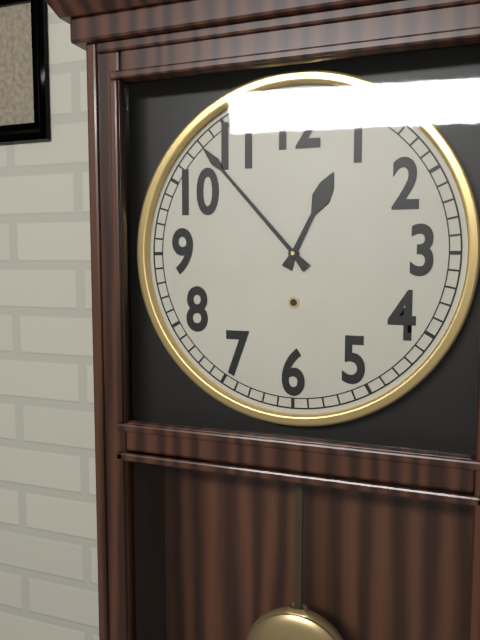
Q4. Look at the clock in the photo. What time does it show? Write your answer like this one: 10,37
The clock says 12,53
